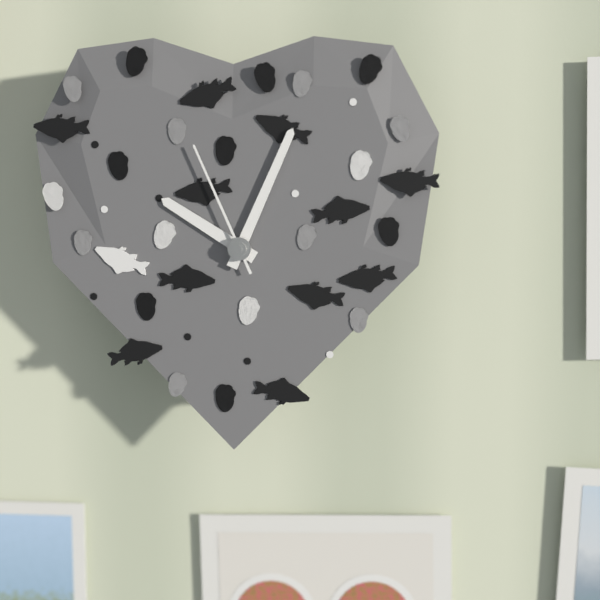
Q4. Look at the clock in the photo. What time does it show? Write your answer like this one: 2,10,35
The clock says 10,04,56
